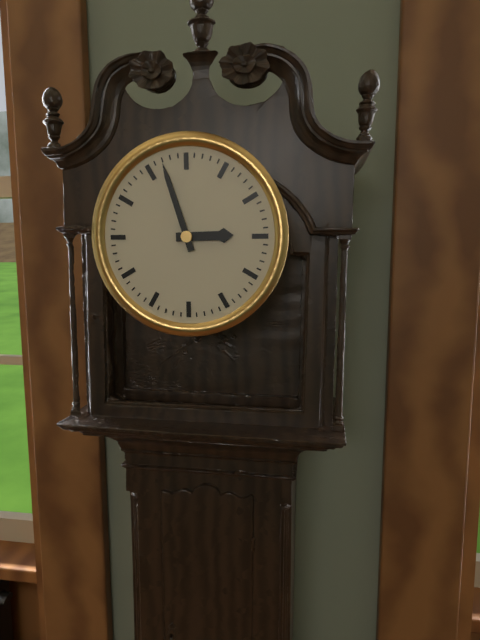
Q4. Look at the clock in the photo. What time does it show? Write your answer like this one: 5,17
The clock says 2,57
